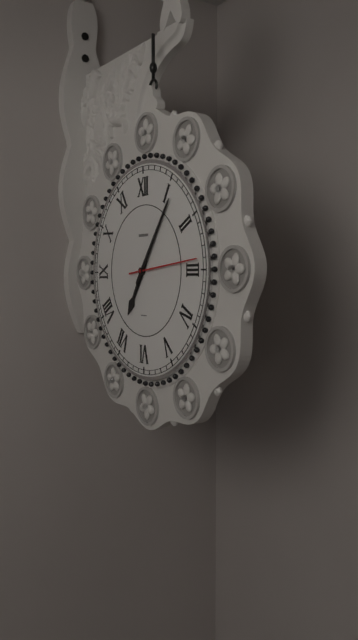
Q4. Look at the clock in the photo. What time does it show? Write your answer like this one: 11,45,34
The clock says 7,06,14
